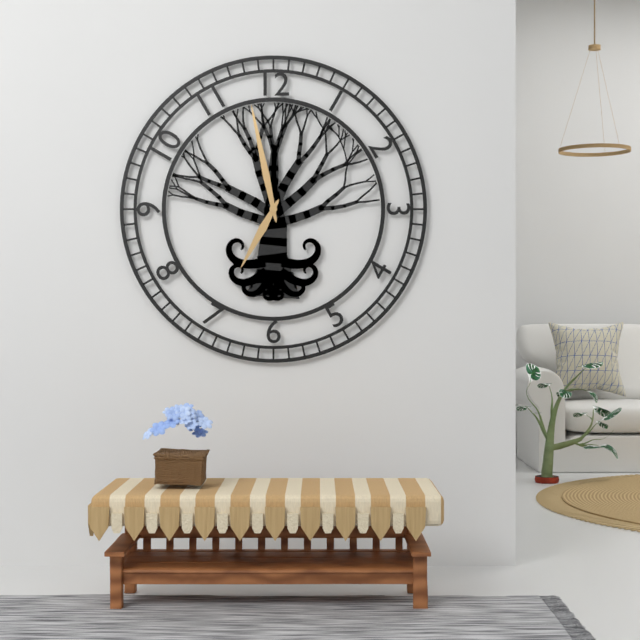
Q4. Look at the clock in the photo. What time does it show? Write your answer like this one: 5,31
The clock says 6,58
